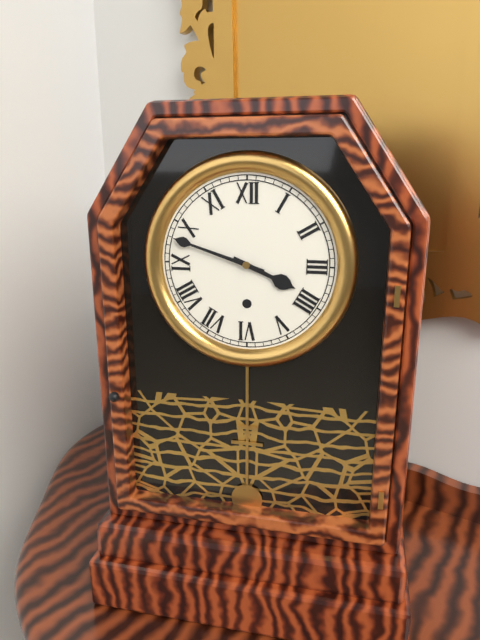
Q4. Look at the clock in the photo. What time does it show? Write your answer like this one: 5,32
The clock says 3,48
